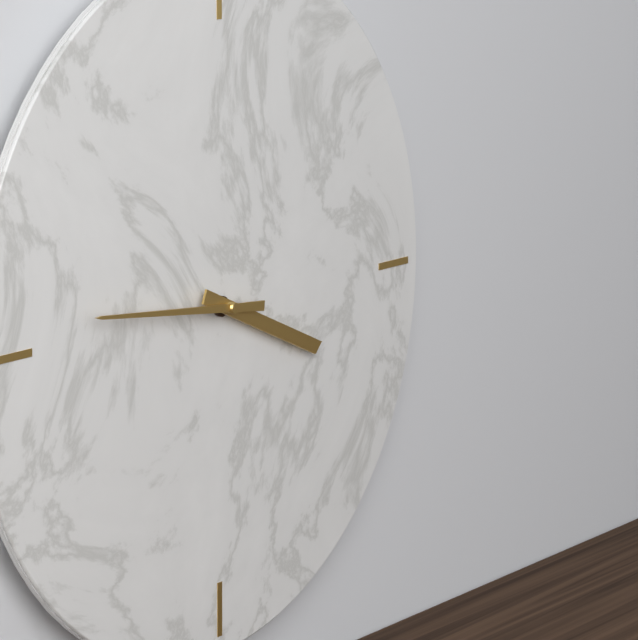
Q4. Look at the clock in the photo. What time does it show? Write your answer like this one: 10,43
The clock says 3,46
